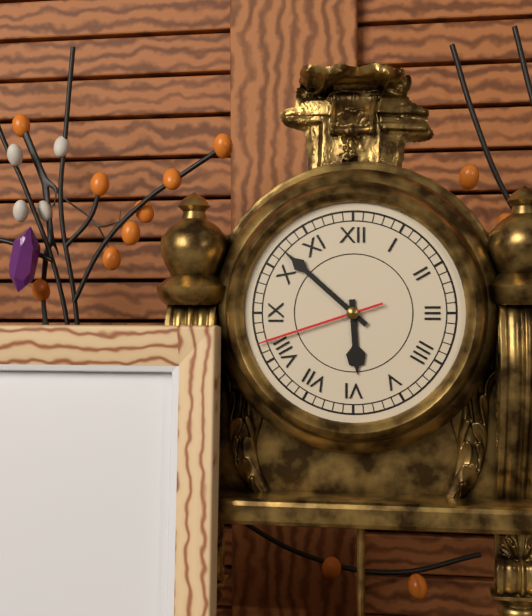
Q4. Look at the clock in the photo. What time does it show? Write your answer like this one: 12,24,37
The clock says 5,52,42
